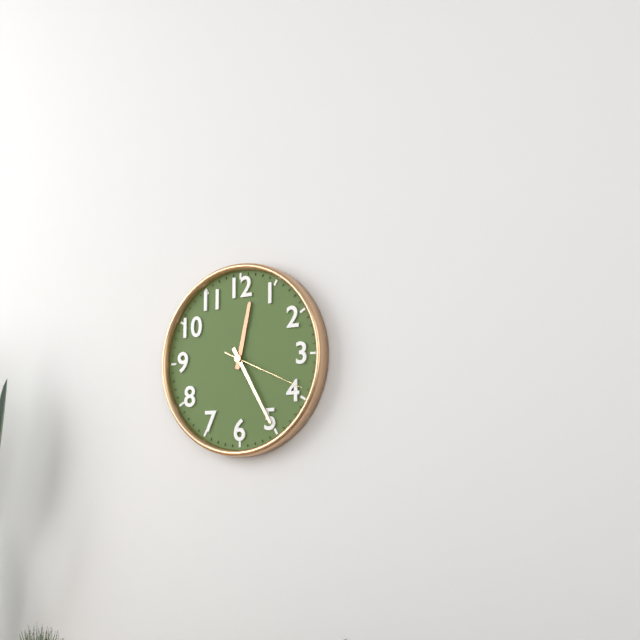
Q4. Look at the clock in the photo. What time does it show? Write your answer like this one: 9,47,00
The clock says 12,25,19
